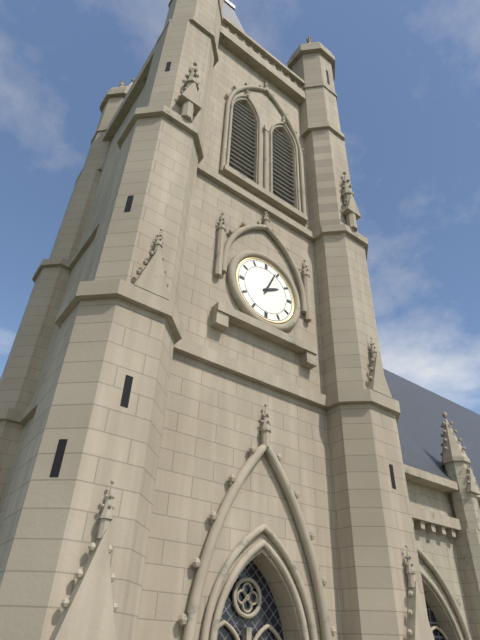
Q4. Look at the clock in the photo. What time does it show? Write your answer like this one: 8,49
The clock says 2,04
